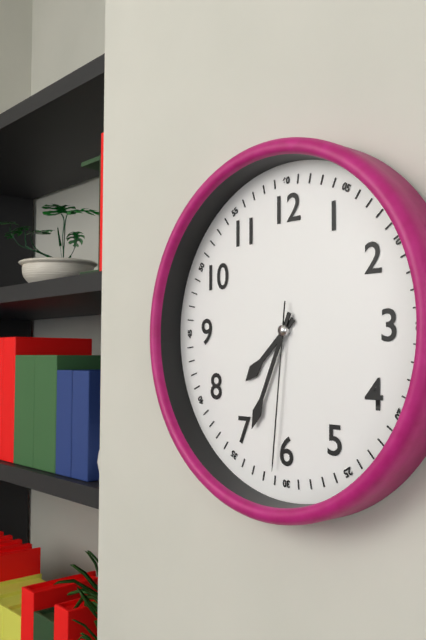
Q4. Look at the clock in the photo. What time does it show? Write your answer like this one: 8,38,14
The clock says 7,34,31
